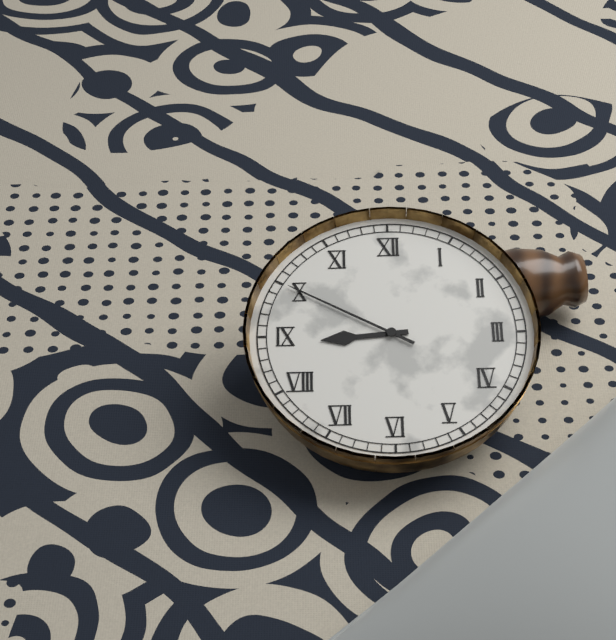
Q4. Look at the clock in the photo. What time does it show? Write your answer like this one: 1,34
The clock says 8,50
